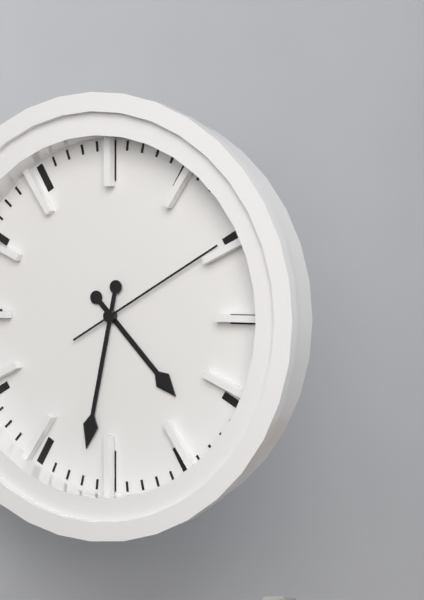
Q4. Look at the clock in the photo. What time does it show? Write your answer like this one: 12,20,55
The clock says 4,32,10
